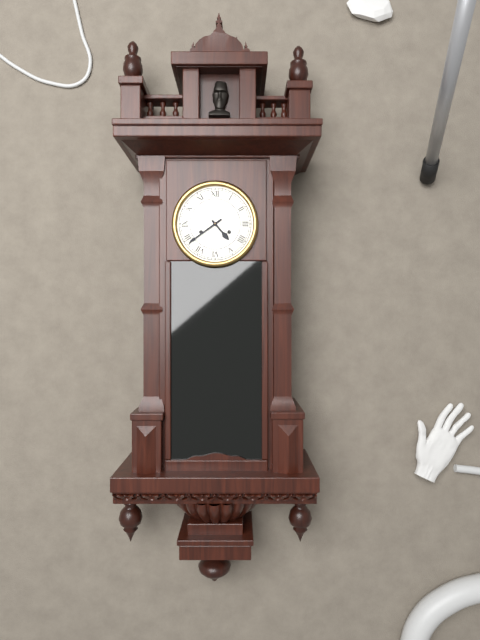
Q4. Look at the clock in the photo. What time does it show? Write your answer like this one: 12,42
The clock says 4,39
